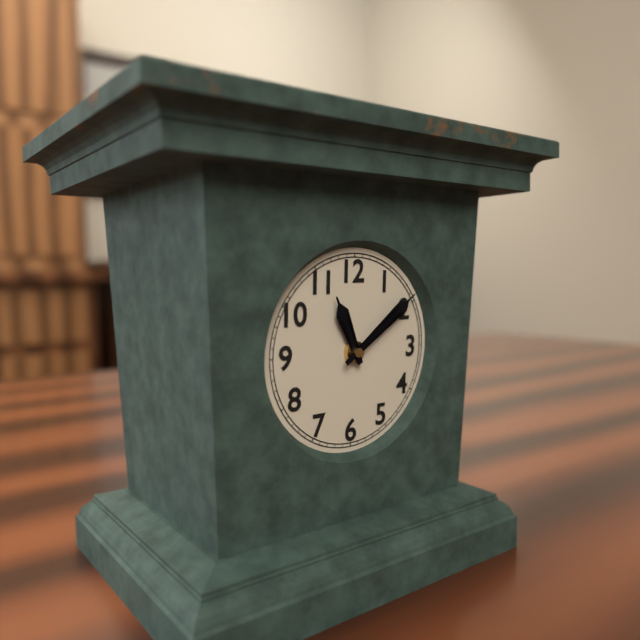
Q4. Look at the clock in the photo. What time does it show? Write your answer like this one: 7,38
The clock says 11,09
